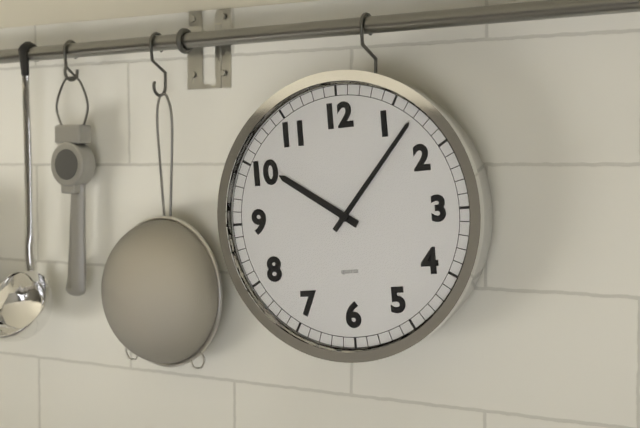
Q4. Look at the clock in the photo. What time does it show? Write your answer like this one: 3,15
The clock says 10,07
